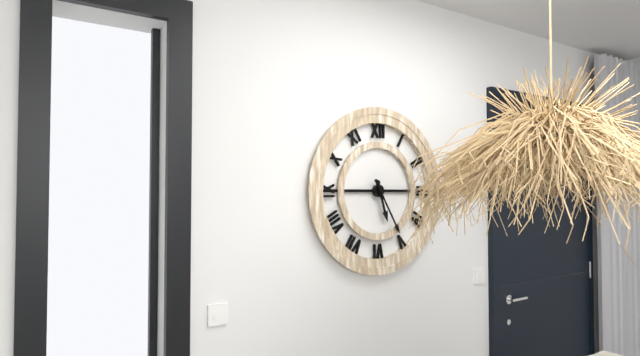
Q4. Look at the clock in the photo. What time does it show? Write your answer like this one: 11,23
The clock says 5,25
